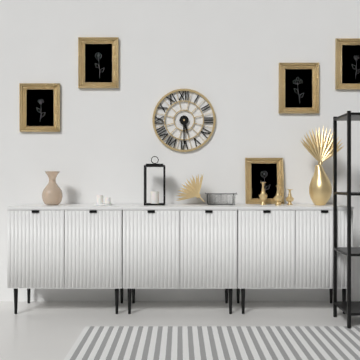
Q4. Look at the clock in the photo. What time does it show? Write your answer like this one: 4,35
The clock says 5,30
